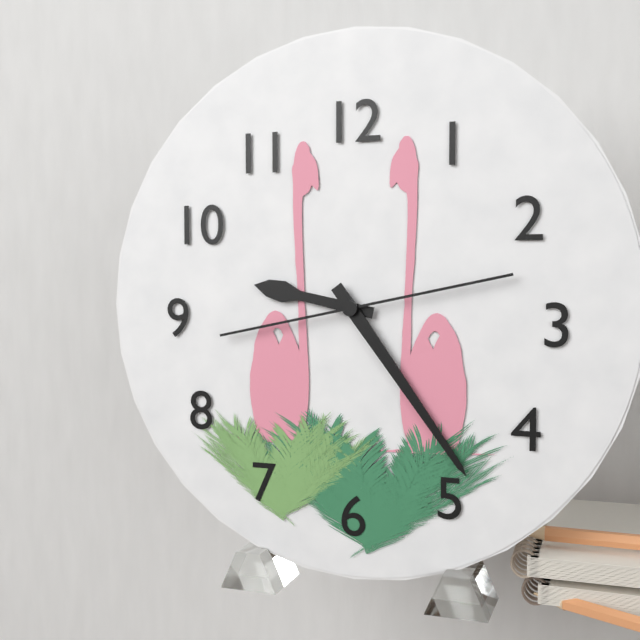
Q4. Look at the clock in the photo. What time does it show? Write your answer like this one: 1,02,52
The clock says 9,24,13
